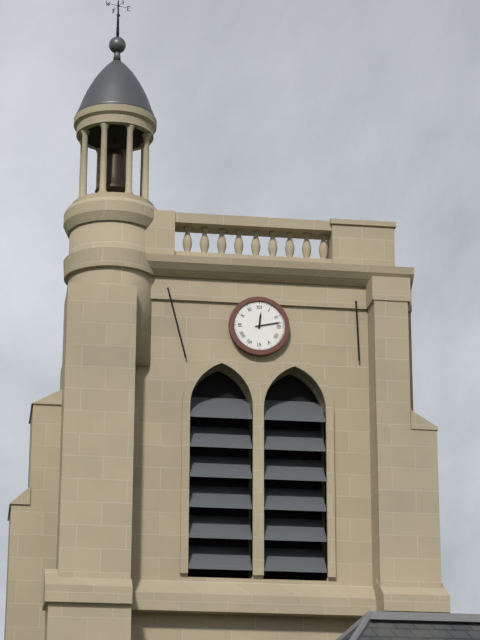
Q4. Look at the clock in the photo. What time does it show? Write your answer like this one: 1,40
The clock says 12,13
